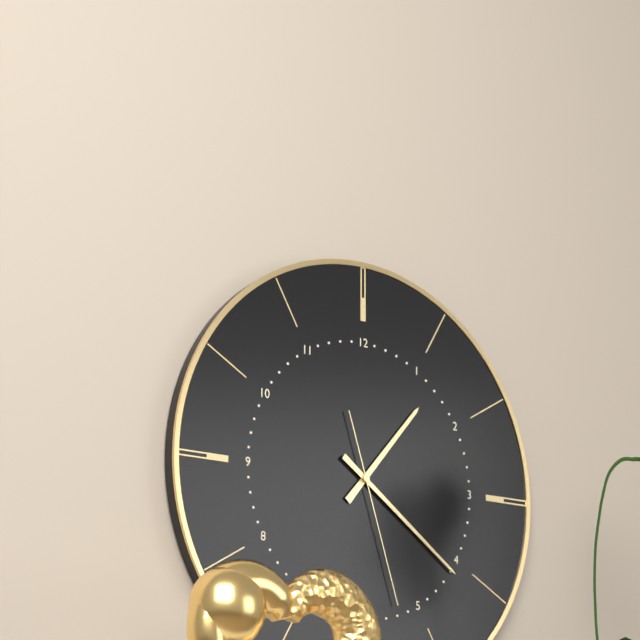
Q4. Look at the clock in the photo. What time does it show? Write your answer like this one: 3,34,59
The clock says 1,21,27
